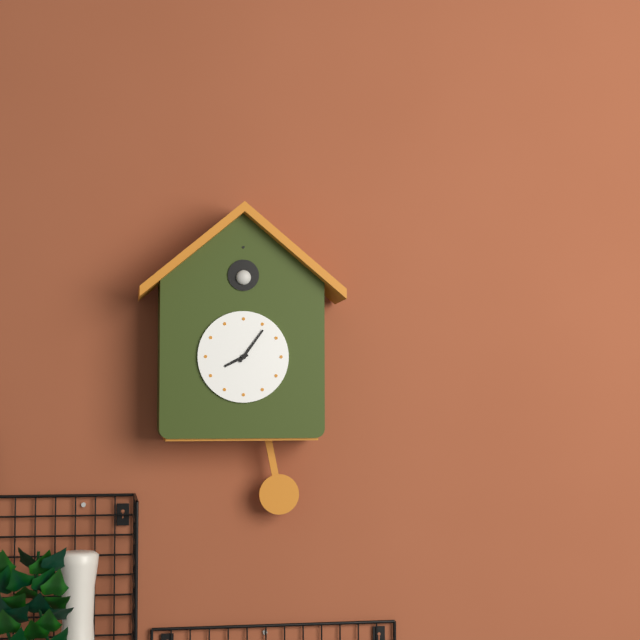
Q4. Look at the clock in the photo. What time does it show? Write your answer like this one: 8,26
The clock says 8,06
